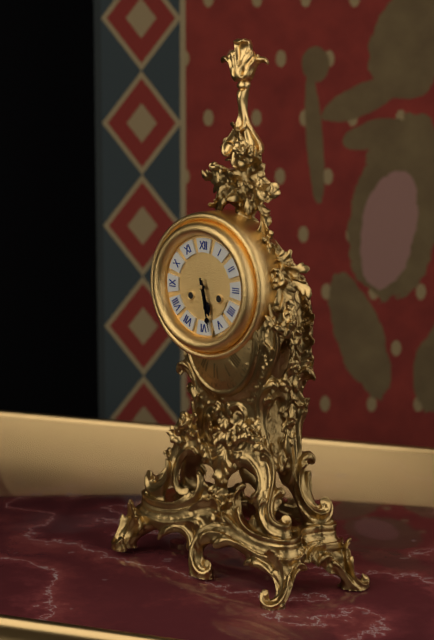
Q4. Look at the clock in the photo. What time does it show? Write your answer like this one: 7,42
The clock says 5,28
